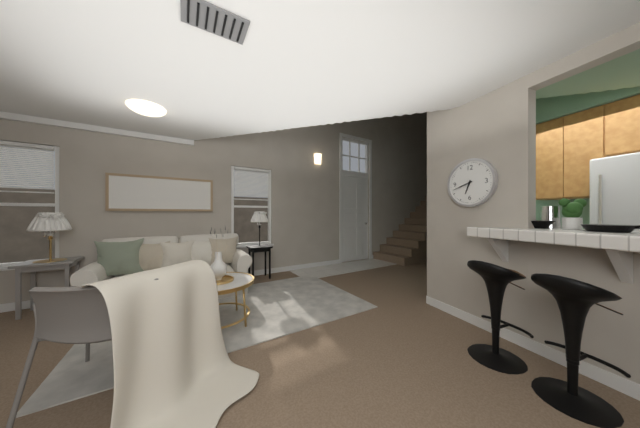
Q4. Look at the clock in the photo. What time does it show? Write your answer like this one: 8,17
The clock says 6,42
